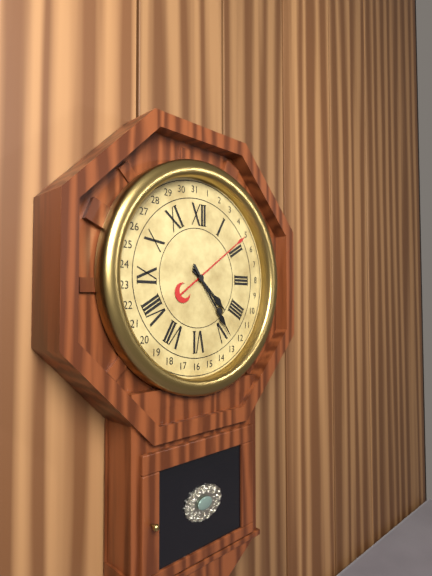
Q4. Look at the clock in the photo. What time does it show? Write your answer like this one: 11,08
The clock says 4,24
